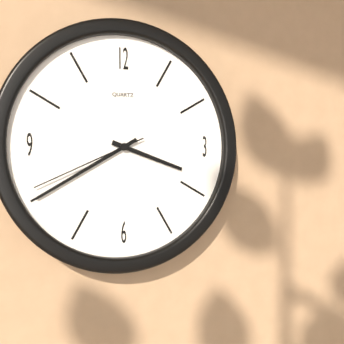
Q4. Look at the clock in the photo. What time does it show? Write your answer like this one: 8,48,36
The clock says 3,40,41
